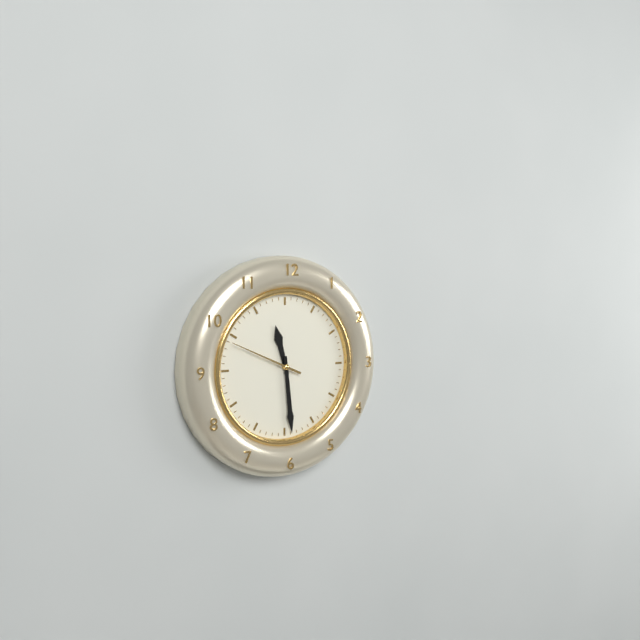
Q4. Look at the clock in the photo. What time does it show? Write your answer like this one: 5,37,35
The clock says 11,29,49
